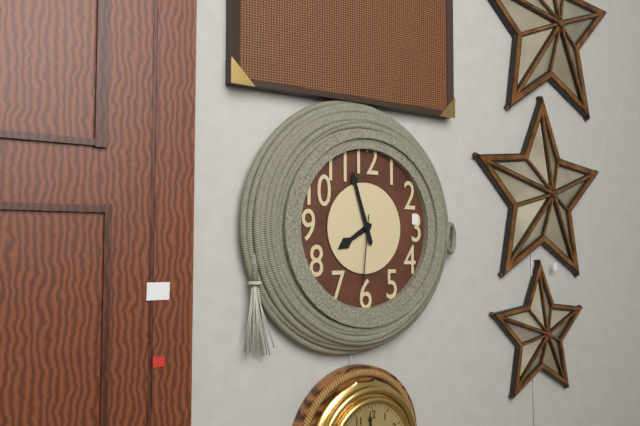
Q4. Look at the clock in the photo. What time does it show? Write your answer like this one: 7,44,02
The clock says 7,57,31
